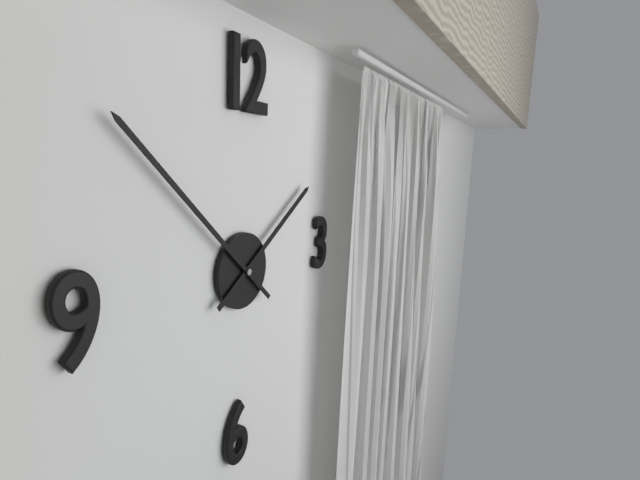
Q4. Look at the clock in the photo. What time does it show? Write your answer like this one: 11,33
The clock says 1,52
